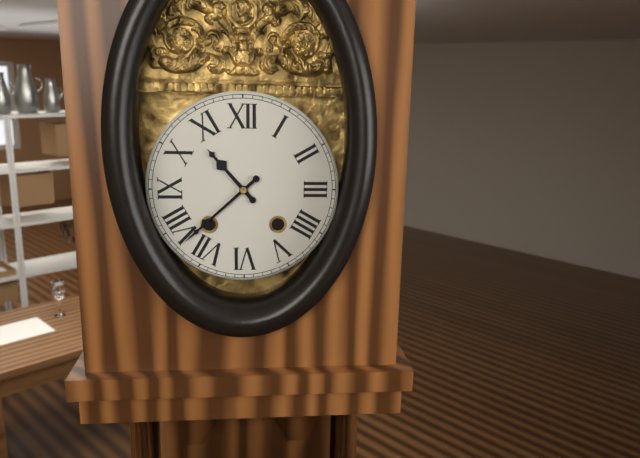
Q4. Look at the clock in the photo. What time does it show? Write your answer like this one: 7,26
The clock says 10,38
